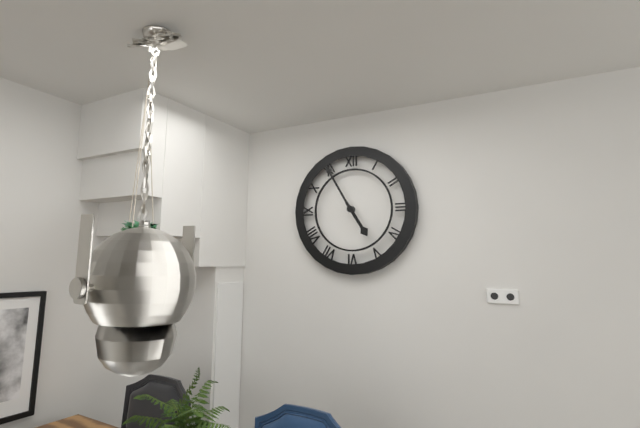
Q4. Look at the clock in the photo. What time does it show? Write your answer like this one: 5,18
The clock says 4,55
